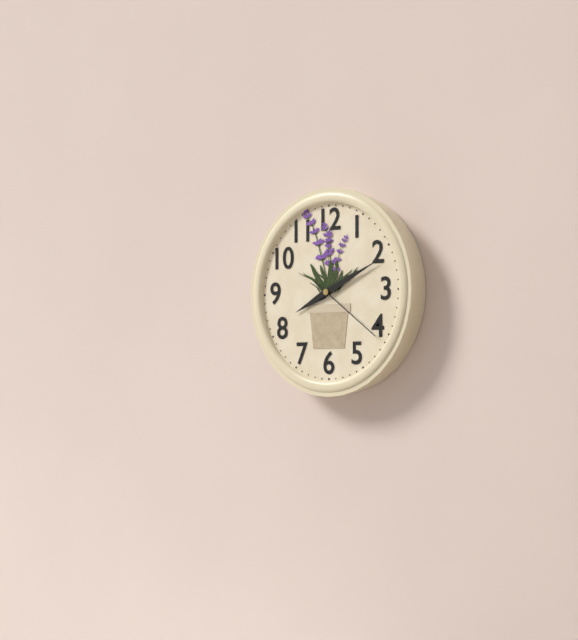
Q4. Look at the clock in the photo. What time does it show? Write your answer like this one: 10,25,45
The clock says 8,11,21
